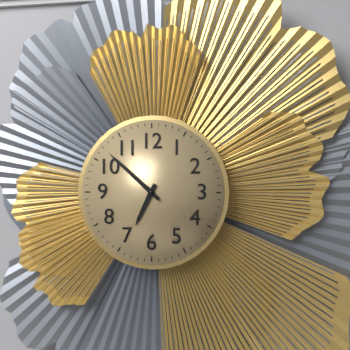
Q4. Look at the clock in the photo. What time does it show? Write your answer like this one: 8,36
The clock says 6,52
